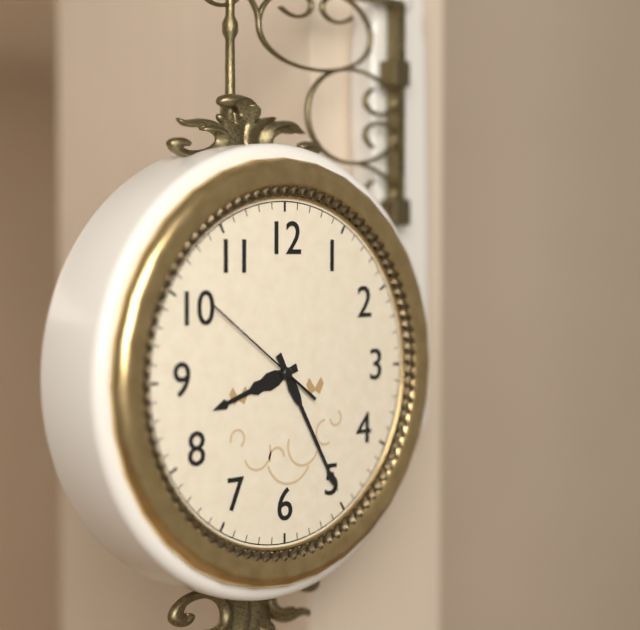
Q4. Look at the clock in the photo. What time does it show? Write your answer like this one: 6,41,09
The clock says 8,25,51
